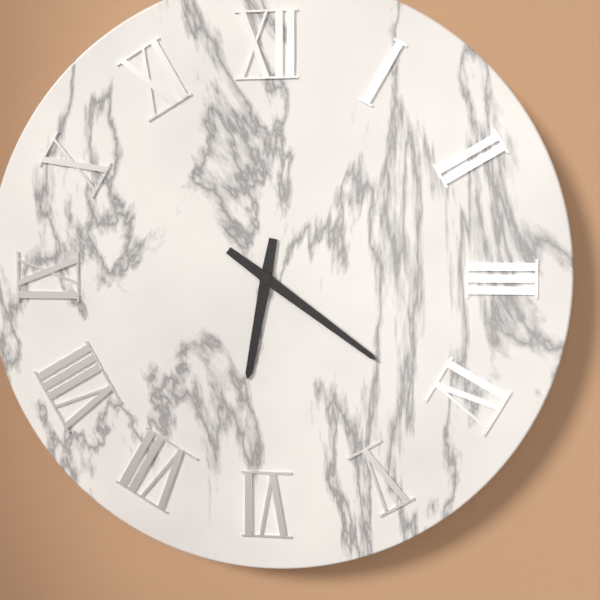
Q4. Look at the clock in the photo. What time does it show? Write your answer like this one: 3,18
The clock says 6,21
